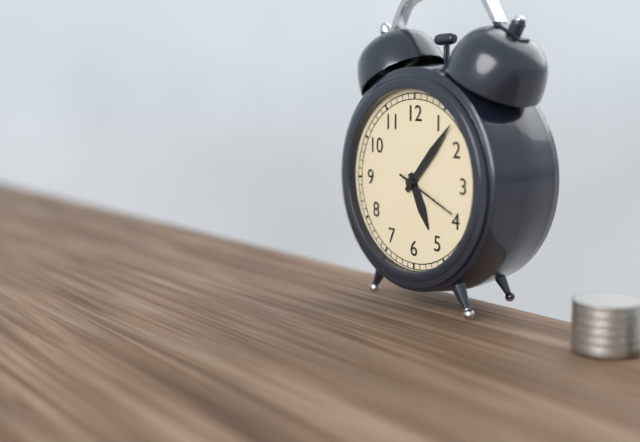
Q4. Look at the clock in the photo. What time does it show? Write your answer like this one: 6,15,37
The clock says 5,07,19
